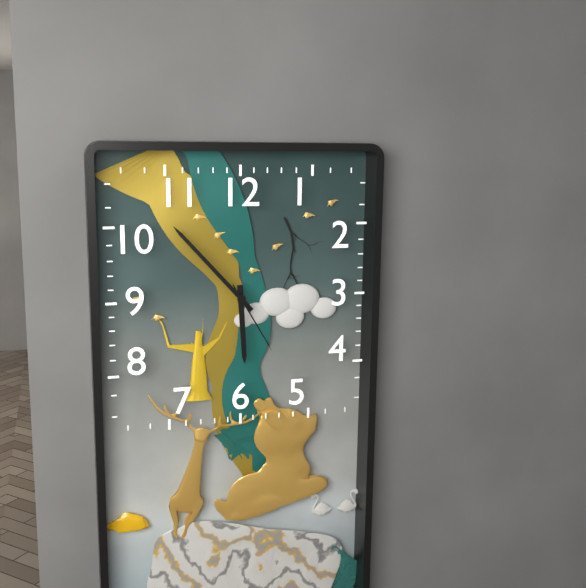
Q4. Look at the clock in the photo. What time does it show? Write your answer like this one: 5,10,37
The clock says 5,53,25
